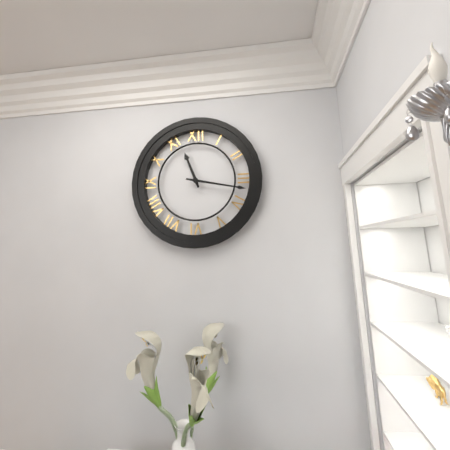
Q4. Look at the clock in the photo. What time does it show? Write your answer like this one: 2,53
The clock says 11,17
